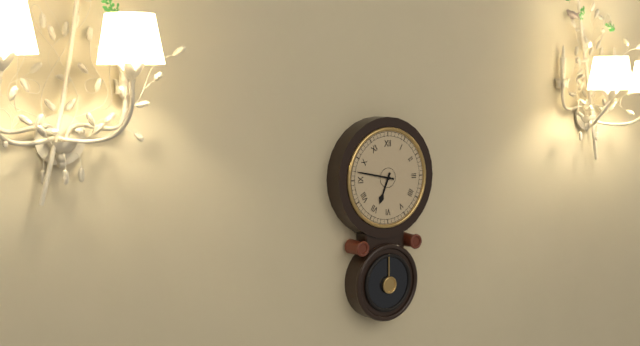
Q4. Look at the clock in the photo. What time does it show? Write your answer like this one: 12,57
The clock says 6,47
